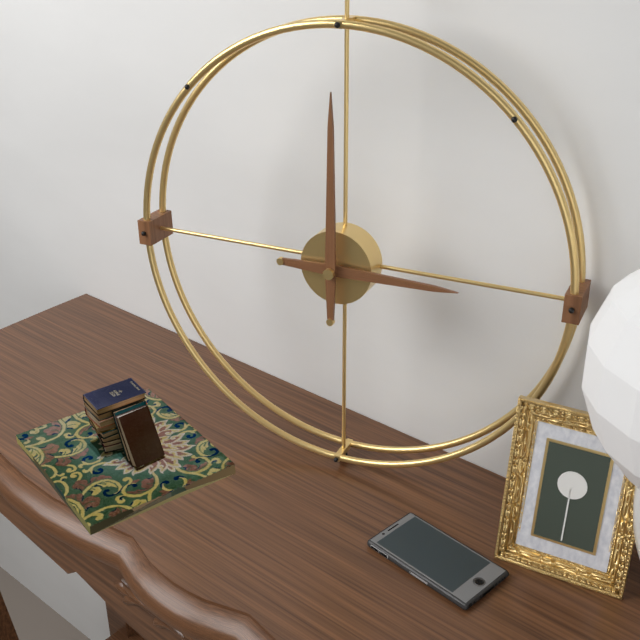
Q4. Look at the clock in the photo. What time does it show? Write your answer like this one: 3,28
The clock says 3,00
